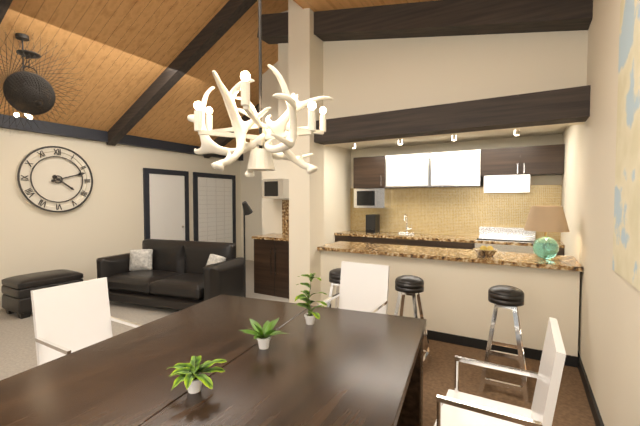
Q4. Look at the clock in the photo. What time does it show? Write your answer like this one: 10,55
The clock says 4,12
